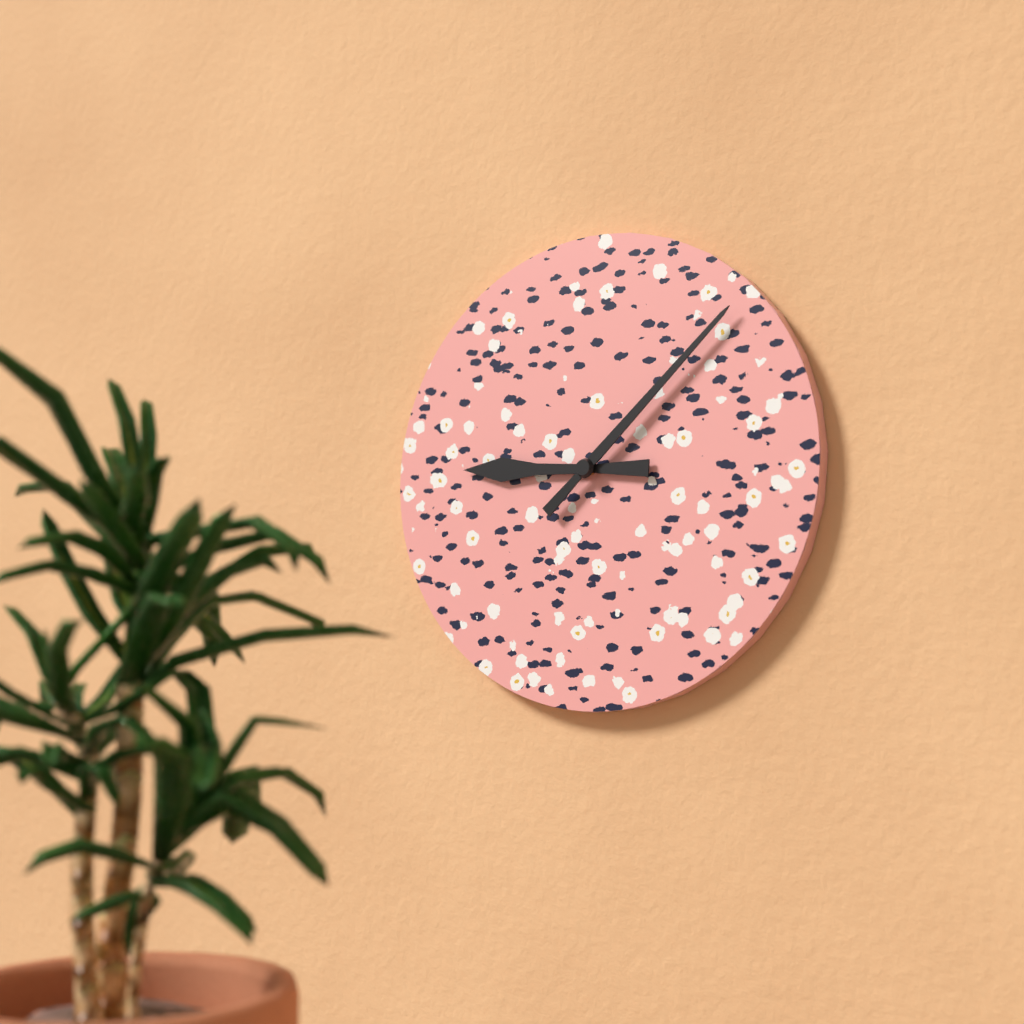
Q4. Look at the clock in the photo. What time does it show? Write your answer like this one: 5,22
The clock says 9,08
